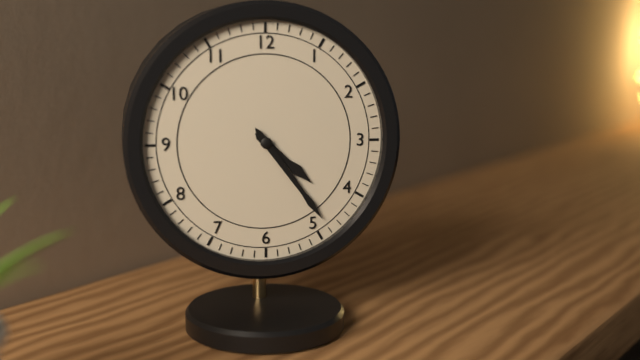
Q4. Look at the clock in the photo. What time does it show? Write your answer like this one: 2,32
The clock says 4,24
